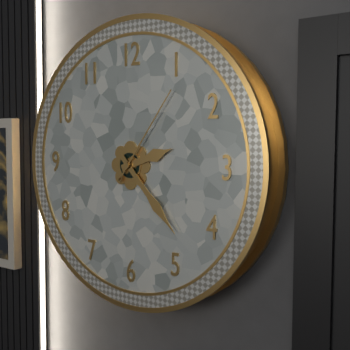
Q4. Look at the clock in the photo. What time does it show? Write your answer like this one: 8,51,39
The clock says 2,23,06
